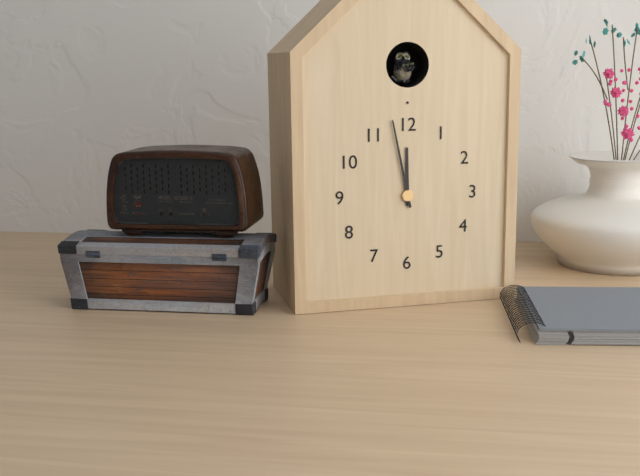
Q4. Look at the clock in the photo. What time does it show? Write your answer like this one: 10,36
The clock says 11,58
